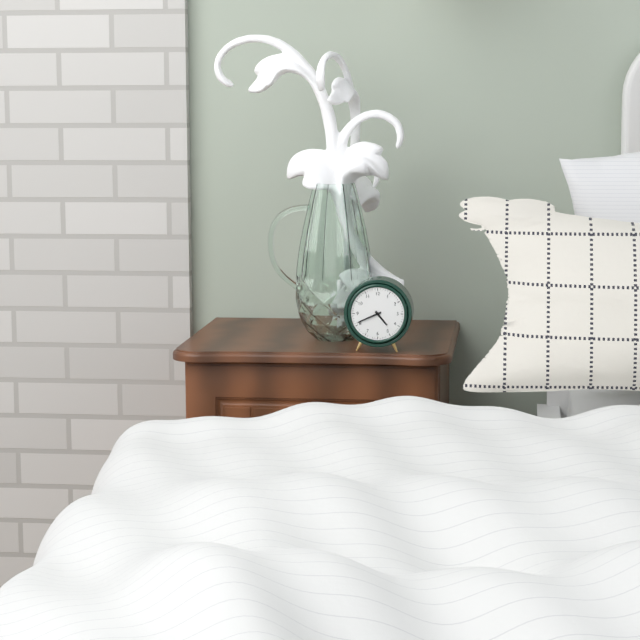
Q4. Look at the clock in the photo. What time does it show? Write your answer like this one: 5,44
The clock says 4,41
